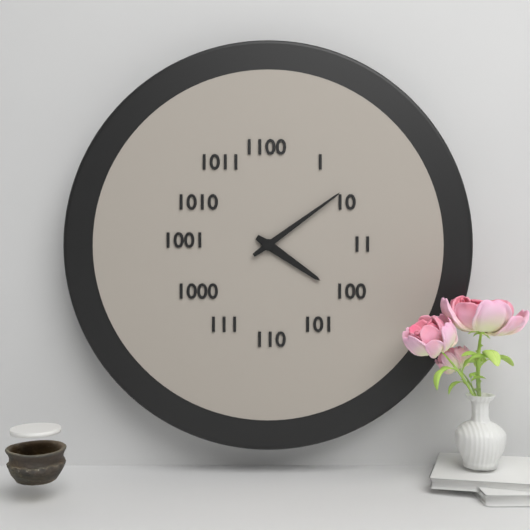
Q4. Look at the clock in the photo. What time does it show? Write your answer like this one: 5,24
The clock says 4,09
